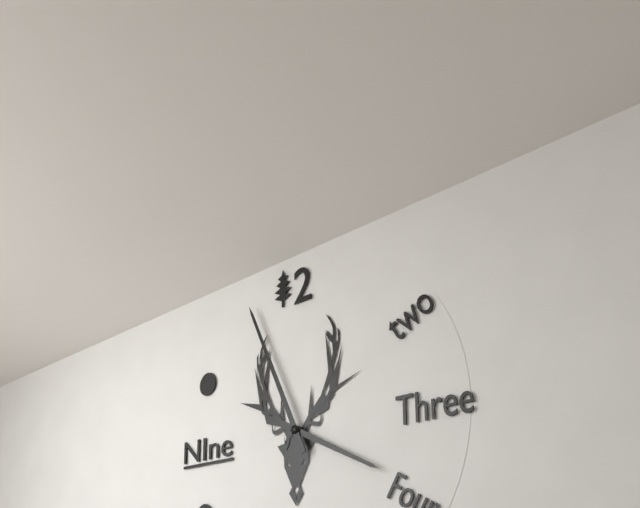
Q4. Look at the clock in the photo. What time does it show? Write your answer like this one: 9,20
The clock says 3,56
